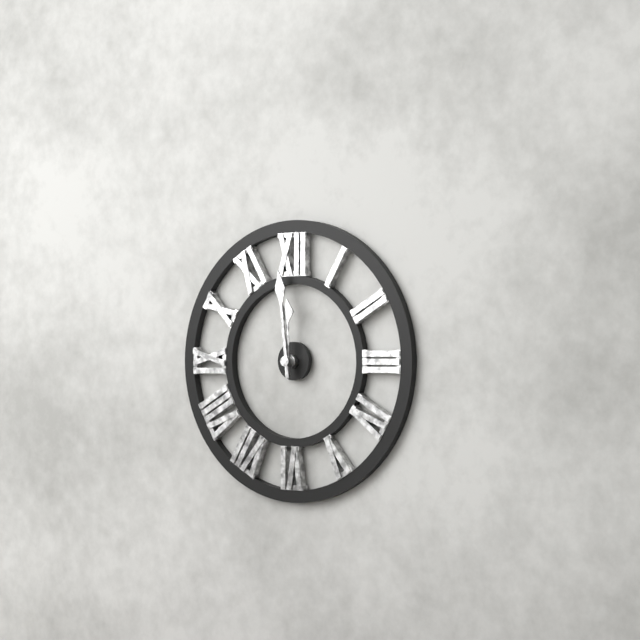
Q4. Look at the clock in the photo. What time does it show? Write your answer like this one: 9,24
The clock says 11,59
